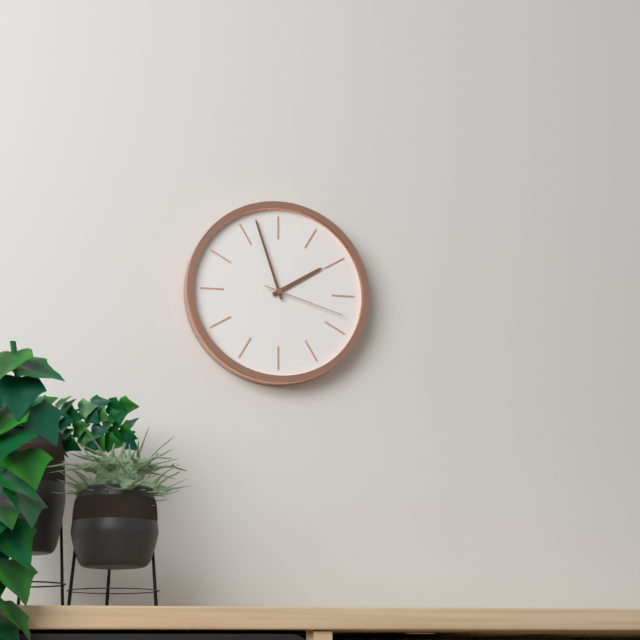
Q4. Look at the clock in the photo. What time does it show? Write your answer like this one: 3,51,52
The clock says 1,57,18
